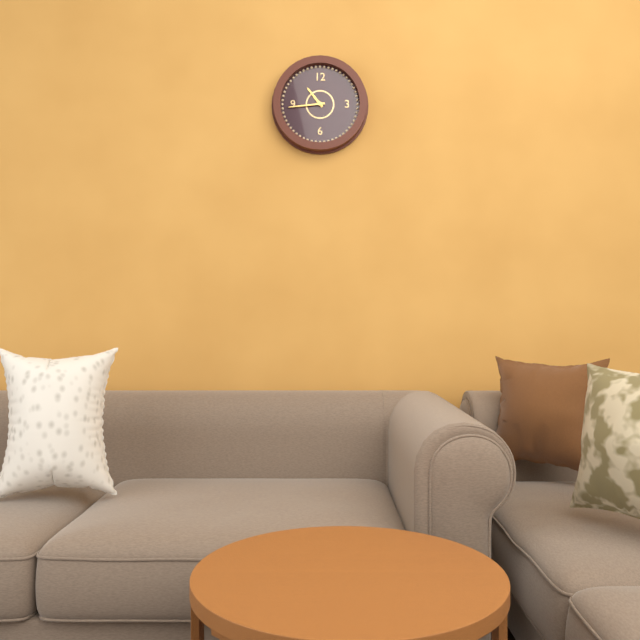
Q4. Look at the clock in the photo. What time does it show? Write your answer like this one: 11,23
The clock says 10,44
